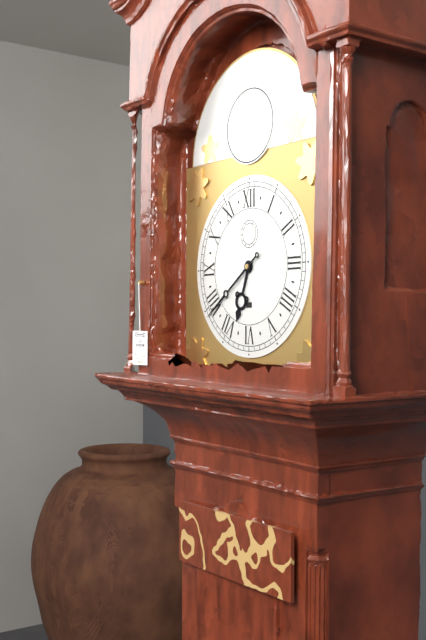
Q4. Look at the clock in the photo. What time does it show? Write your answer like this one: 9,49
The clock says 6,39
